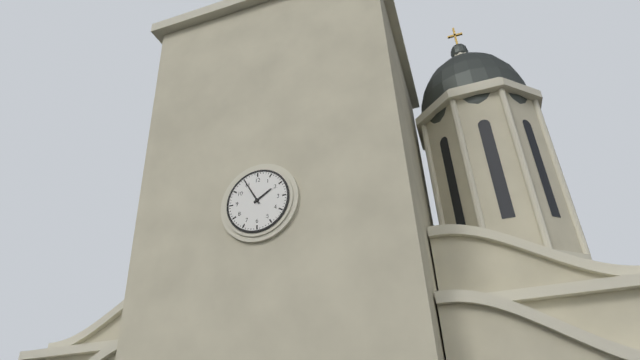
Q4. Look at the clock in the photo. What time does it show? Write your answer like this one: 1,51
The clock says 1,55
